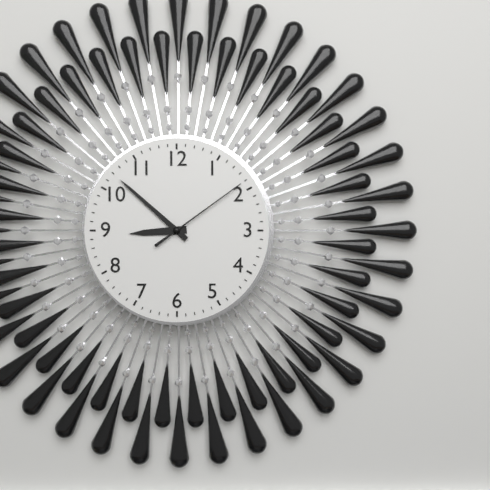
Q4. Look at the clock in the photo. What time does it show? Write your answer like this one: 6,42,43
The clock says 8,52,09
